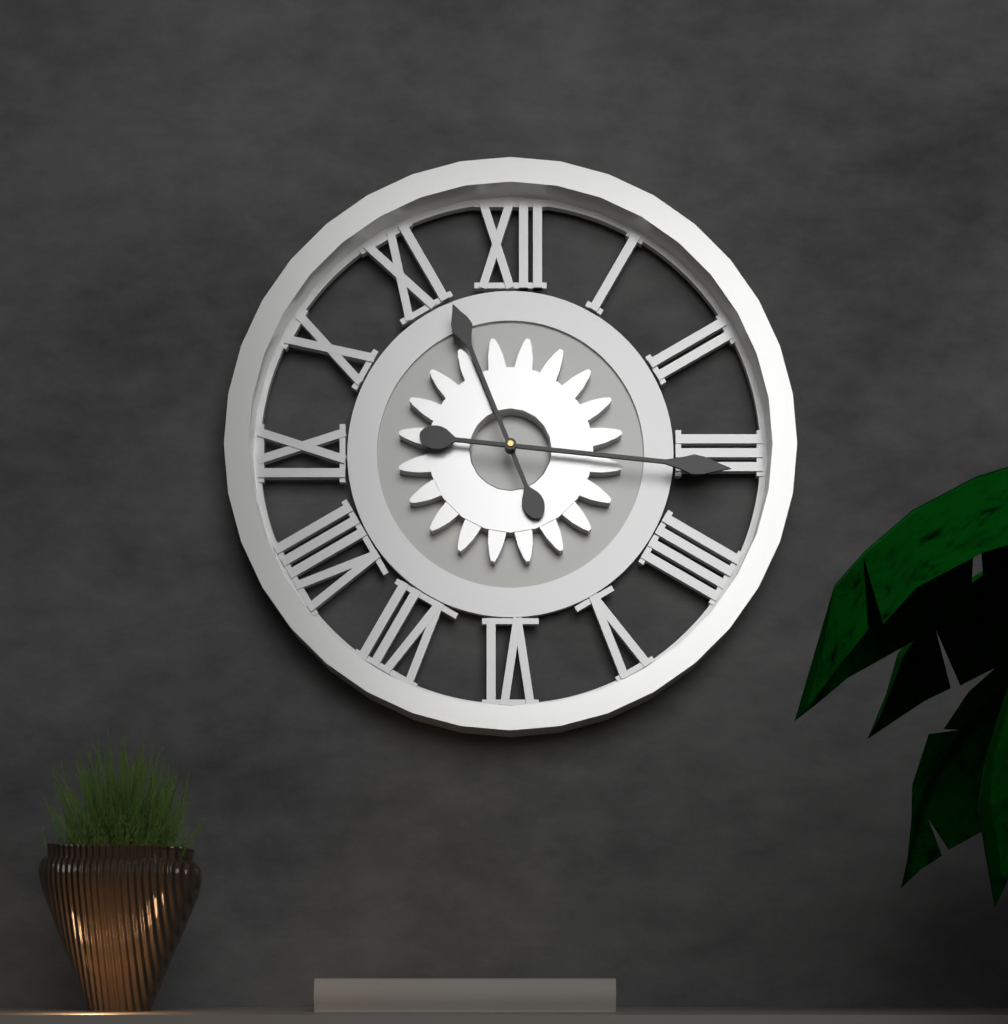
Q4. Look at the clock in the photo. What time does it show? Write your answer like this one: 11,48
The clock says 11,16
